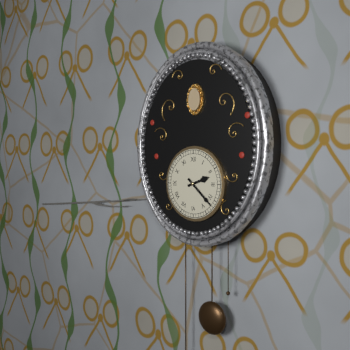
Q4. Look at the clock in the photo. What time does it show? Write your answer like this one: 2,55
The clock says 2,22
